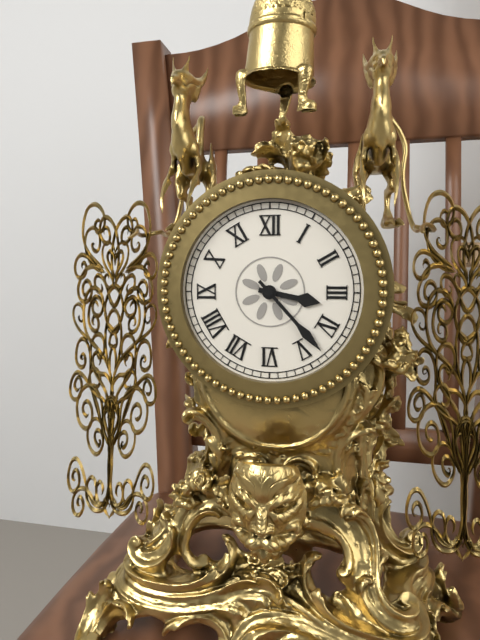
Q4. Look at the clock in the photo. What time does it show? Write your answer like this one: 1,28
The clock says 3,23
